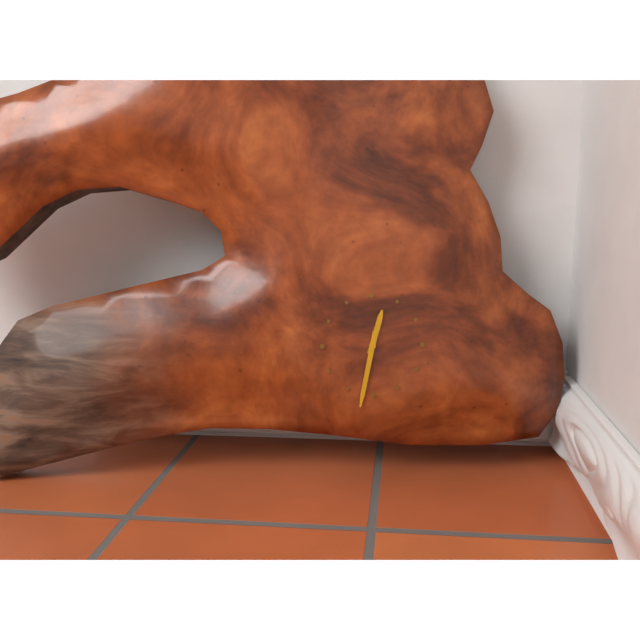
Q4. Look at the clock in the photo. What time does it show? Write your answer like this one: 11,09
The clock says 12,32
